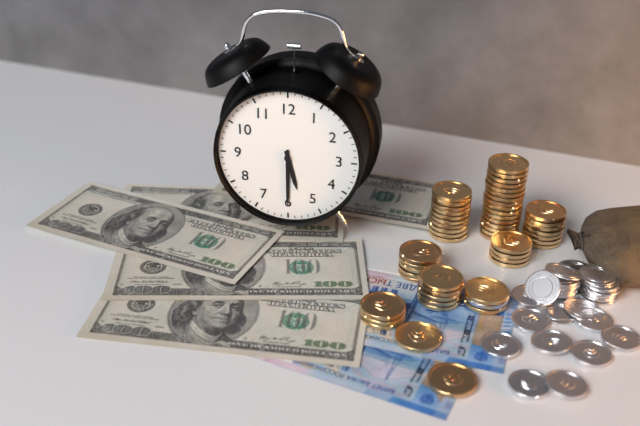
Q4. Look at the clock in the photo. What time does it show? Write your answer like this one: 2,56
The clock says 5,30
